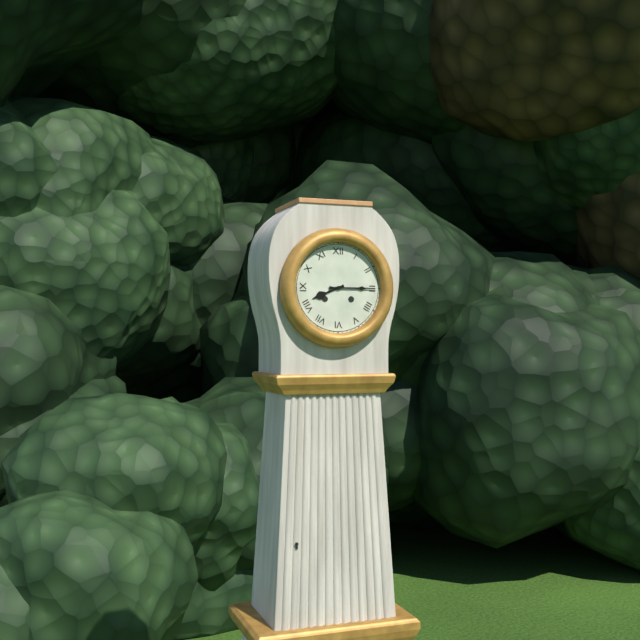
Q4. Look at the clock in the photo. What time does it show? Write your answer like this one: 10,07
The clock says 8,15
